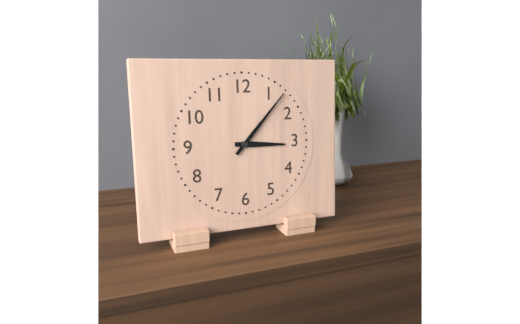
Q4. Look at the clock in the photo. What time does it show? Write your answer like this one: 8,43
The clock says 3,07
